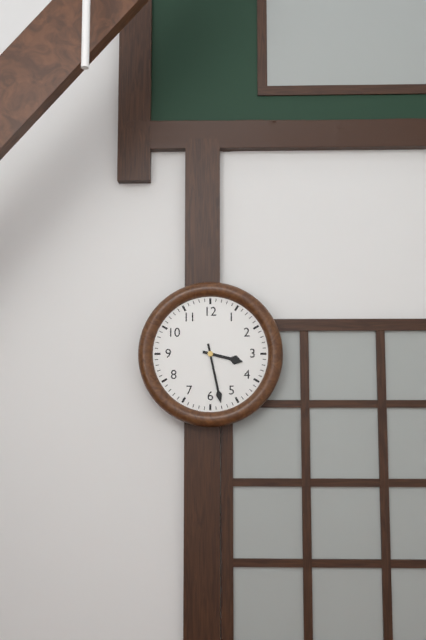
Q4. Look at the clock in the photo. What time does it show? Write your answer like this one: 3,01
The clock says 3,28
